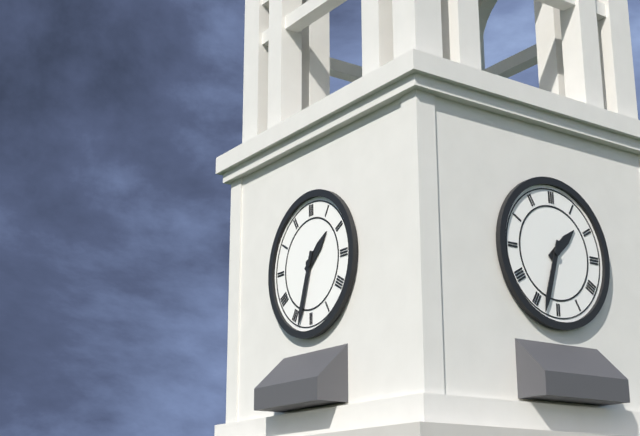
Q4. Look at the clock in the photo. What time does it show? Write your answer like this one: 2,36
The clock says 1,33
